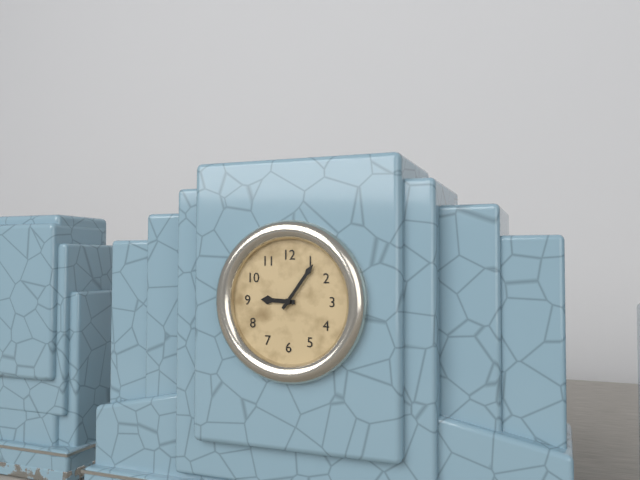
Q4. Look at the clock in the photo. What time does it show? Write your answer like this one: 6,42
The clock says 9,06
